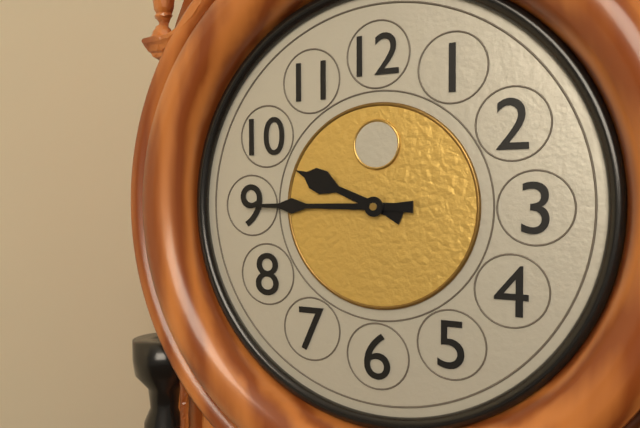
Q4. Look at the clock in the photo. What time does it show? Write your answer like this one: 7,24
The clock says 9,45
